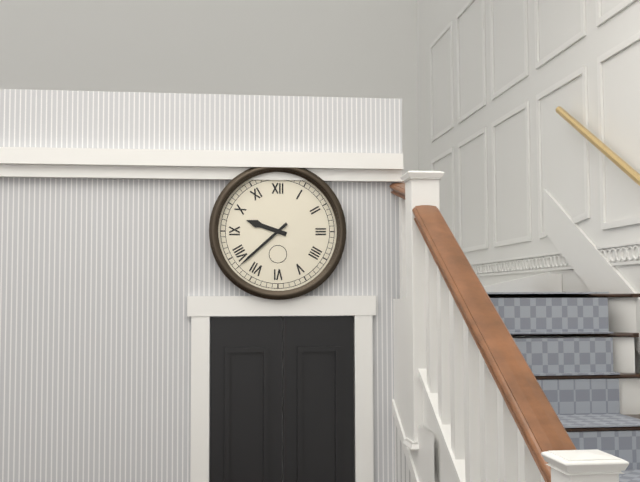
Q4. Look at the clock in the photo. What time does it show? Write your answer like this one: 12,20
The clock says 9,38
